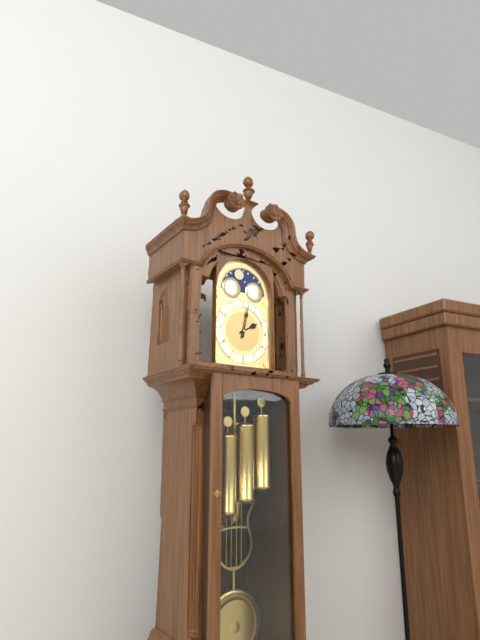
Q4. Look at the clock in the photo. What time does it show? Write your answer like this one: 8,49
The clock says 2,02
